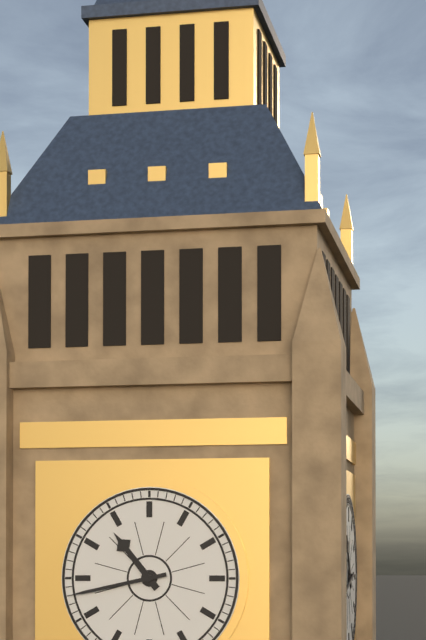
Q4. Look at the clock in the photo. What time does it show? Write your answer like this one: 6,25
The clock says 10,43
